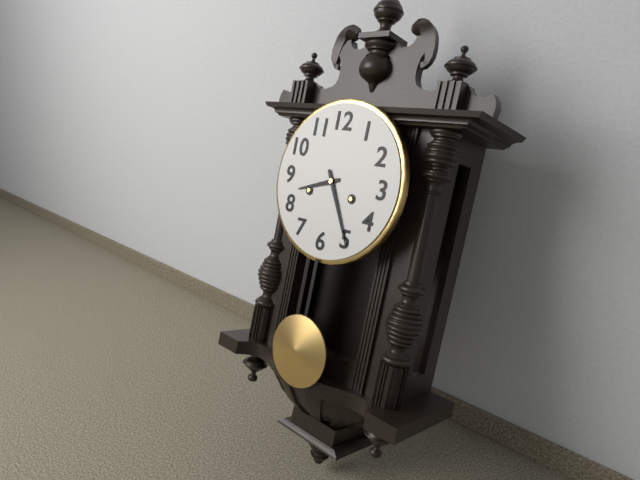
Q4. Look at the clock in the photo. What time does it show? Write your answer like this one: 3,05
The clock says 8,25
